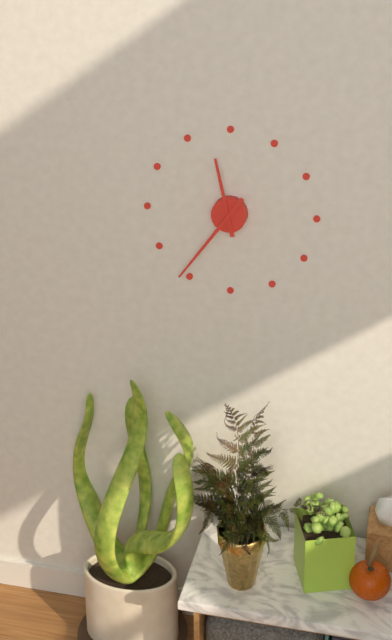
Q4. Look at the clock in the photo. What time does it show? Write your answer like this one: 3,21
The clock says 11,36
